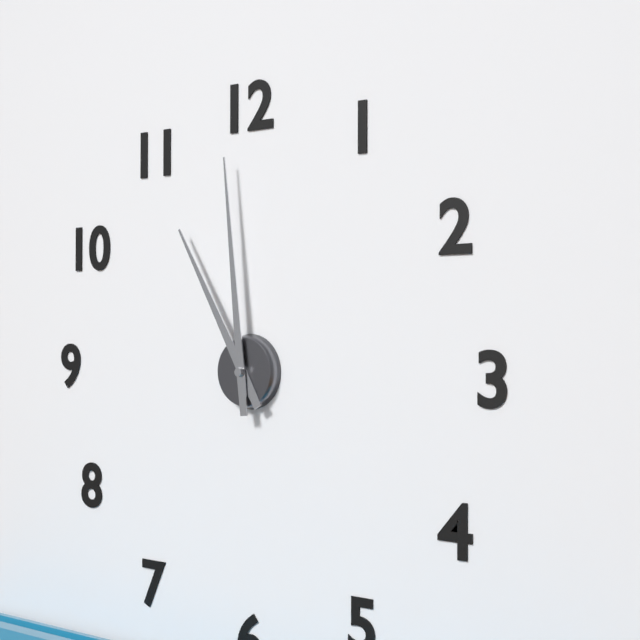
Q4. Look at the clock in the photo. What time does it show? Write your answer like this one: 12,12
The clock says 10,59
